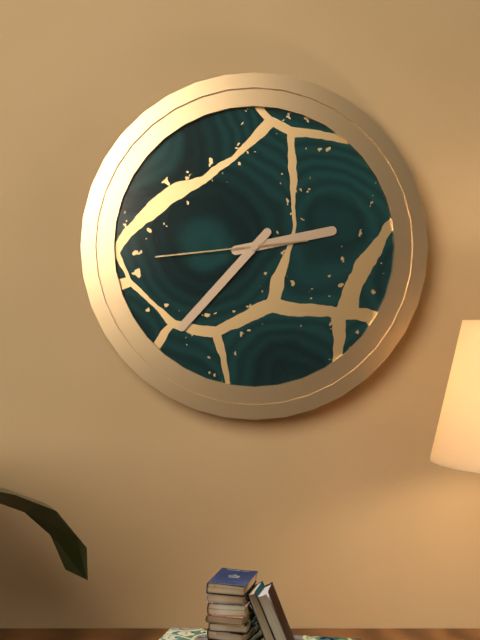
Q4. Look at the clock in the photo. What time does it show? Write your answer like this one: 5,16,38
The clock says 2,37,44
